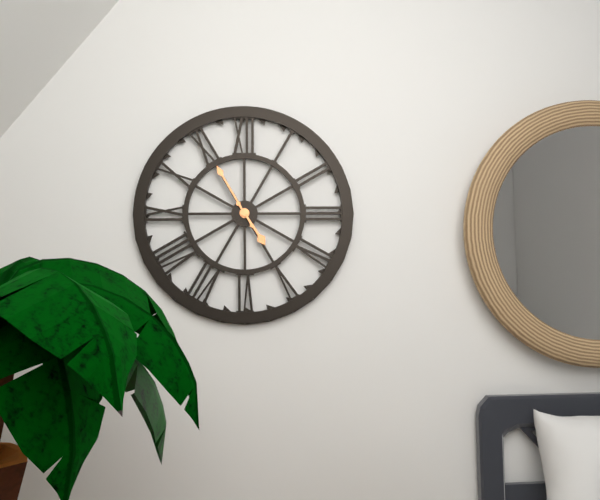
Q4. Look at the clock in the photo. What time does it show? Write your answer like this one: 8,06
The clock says 4,55
